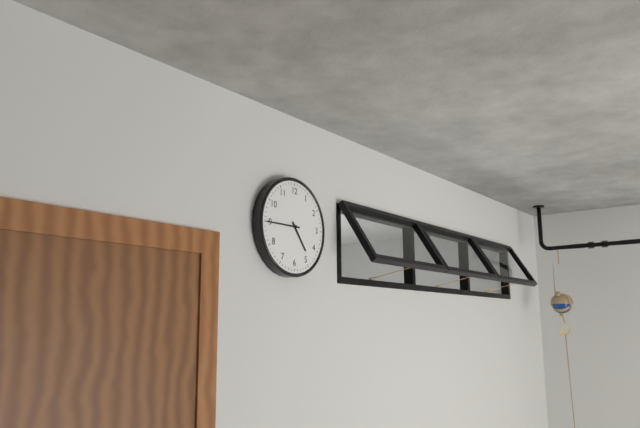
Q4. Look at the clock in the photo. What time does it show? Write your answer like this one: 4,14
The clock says 4,45
